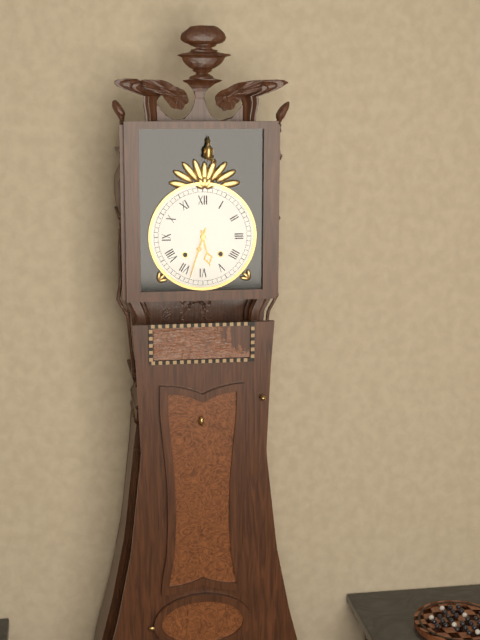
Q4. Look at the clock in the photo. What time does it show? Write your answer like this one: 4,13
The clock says 5,33
